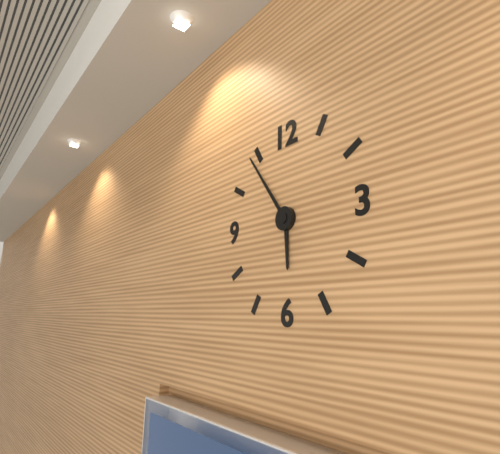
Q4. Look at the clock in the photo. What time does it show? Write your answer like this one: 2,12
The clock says 5,54
